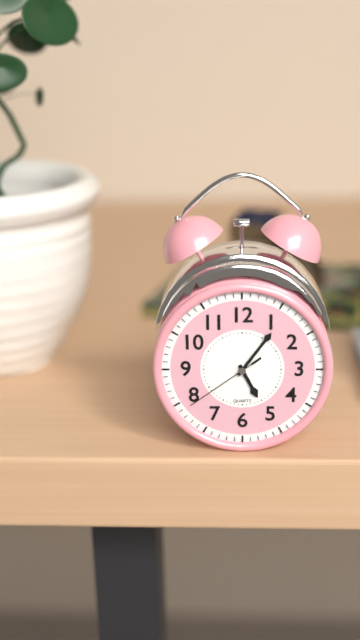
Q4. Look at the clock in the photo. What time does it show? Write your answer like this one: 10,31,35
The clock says 5,06,39
